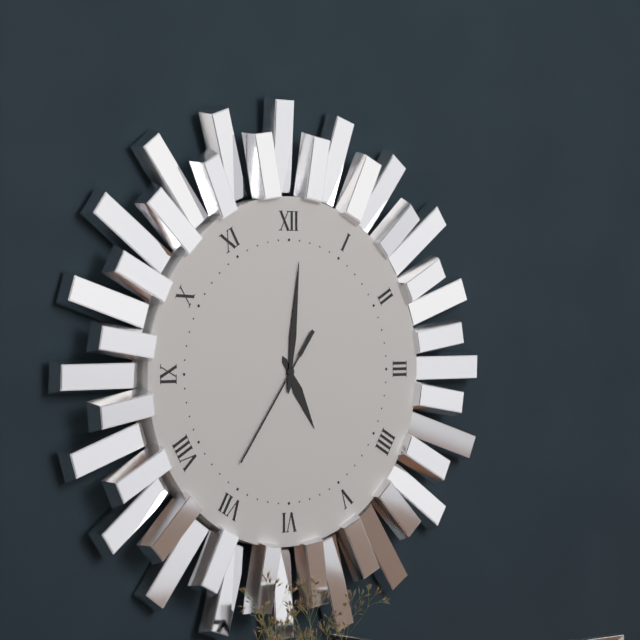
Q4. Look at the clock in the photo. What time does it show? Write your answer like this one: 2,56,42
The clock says 5,01,36
